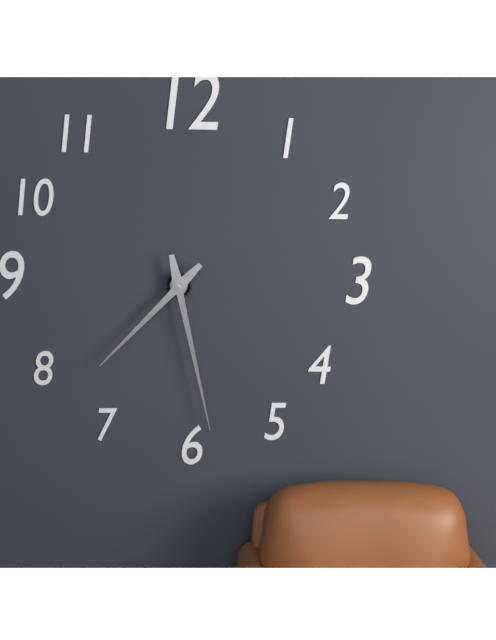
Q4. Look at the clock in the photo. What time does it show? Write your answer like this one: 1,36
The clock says 7,28
